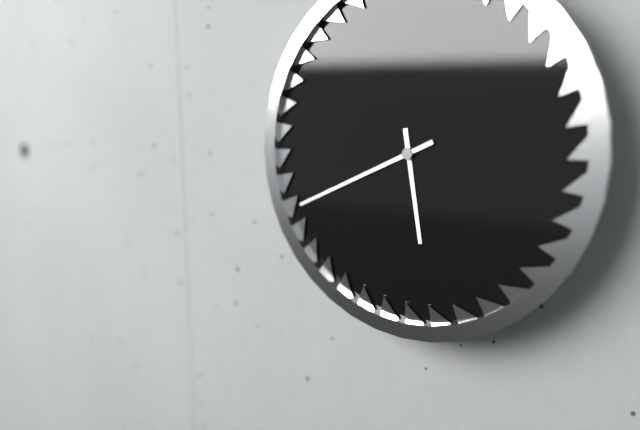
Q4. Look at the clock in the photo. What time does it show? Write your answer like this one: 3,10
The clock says 5,41
